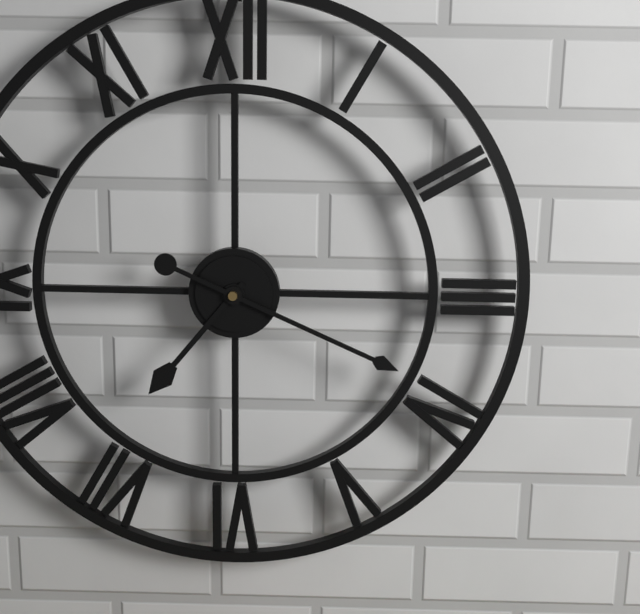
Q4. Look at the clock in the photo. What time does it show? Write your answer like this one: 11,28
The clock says 7,19
